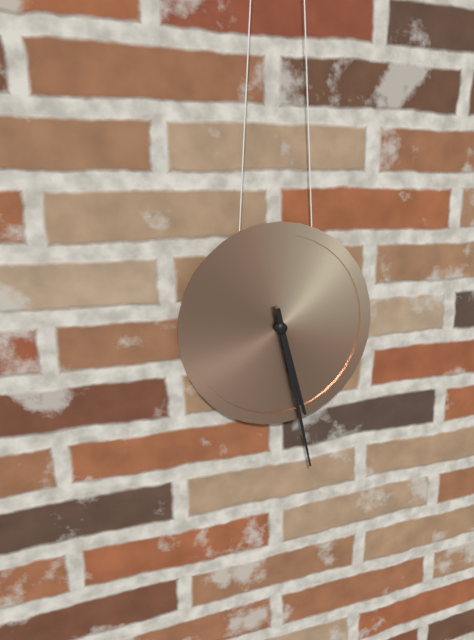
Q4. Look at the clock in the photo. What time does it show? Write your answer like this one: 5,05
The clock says 5,28
